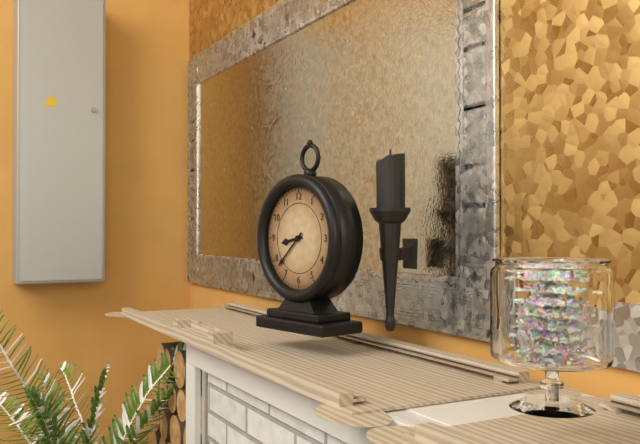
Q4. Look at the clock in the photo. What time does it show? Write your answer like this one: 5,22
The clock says 8,38
